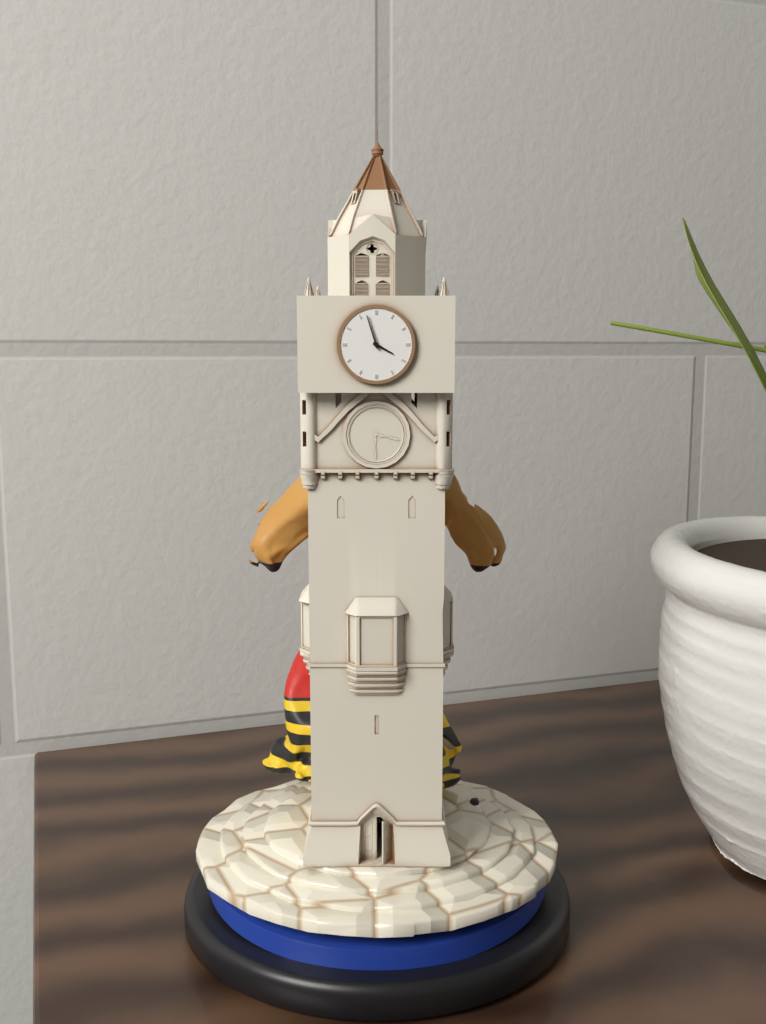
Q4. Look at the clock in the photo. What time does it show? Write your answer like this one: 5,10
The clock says 3,57
